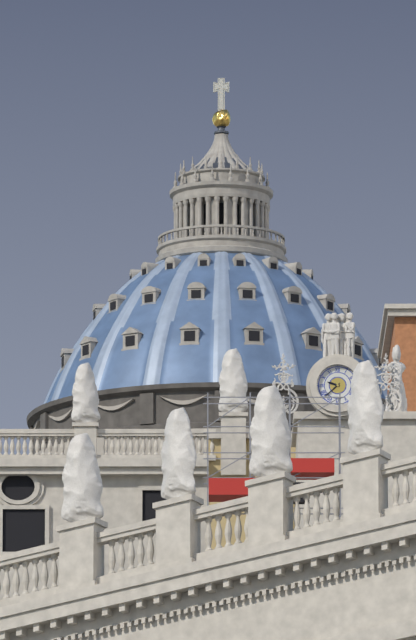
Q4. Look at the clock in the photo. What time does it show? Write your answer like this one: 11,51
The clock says 9,38
